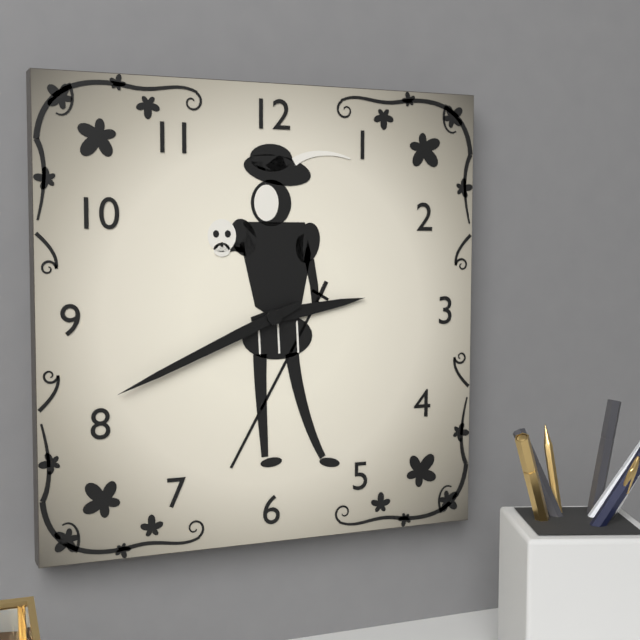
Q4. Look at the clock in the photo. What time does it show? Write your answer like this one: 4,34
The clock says 2,41
